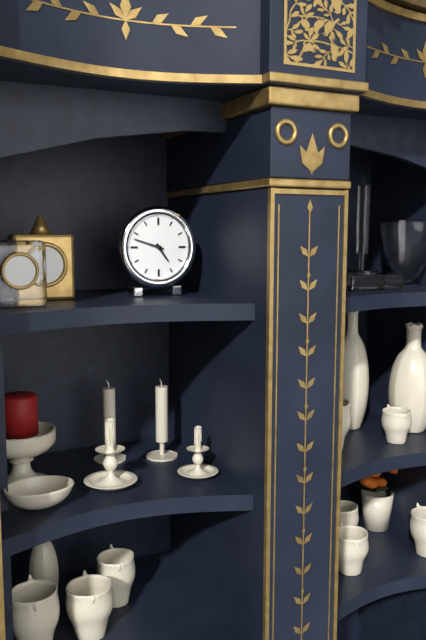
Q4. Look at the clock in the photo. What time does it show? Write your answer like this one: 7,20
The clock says 4,48
